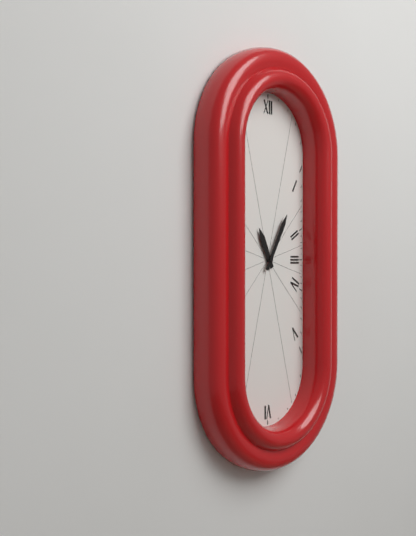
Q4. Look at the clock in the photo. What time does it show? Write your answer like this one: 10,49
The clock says 11,05
